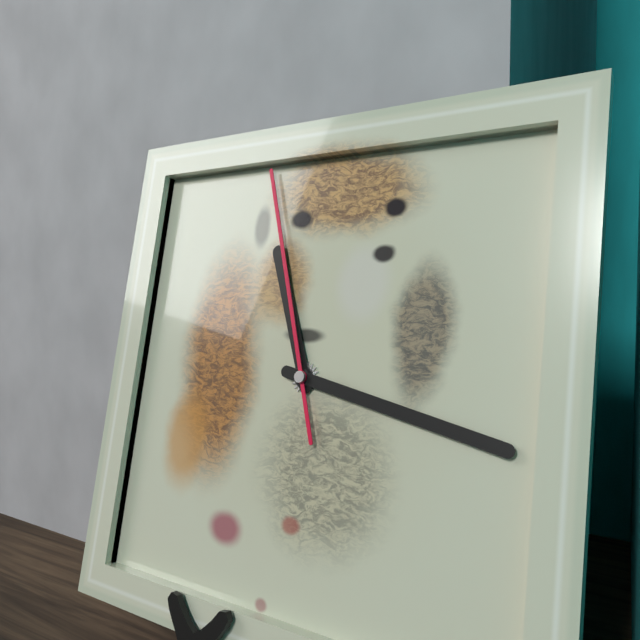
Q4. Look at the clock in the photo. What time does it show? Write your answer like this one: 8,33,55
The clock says 11,17,57
